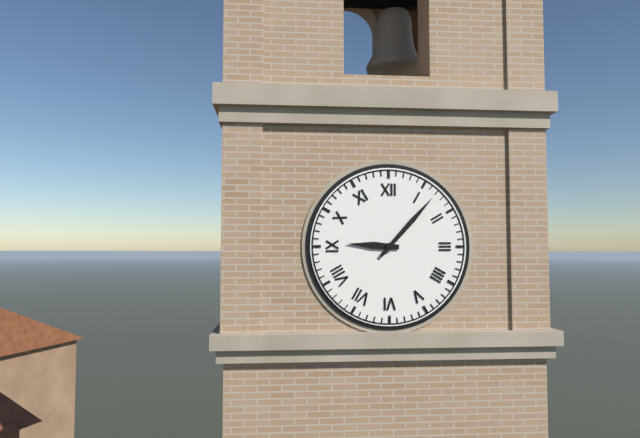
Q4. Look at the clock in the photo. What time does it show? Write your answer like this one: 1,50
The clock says 9,07
